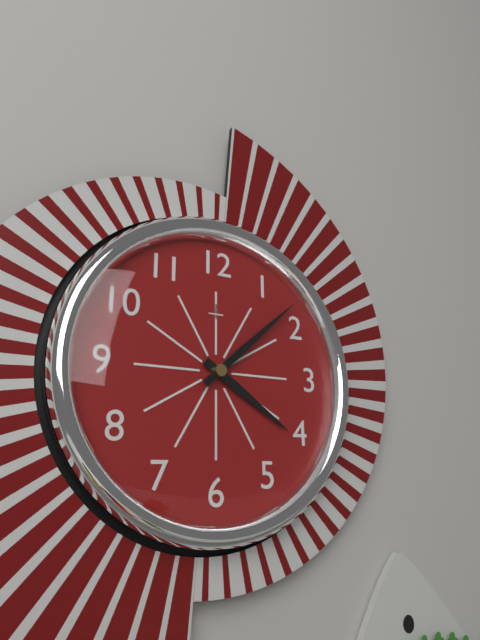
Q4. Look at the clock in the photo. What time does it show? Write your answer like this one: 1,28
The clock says 4,08
